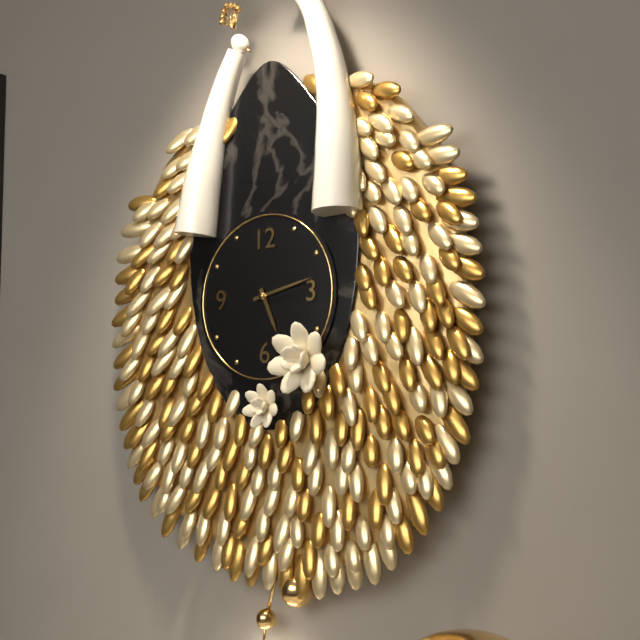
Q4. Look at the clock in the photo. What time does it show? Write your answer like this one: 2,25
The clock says 5,13
